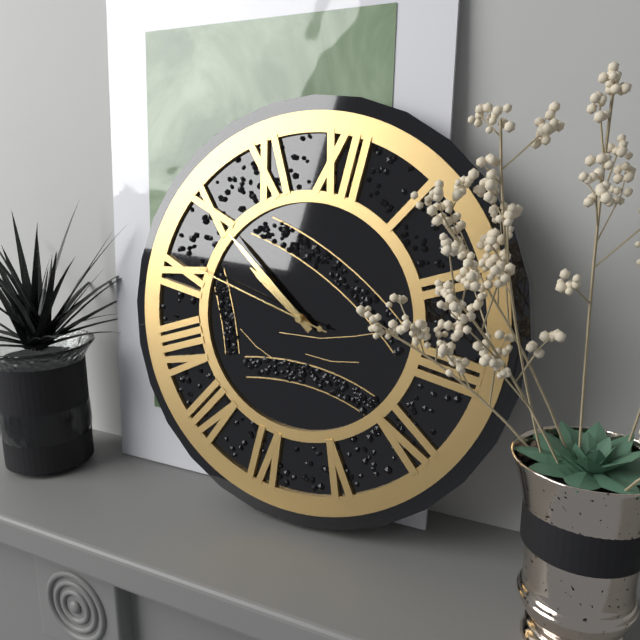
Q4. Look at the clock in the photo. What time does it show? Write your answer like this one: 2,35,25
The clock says 9,50,46
